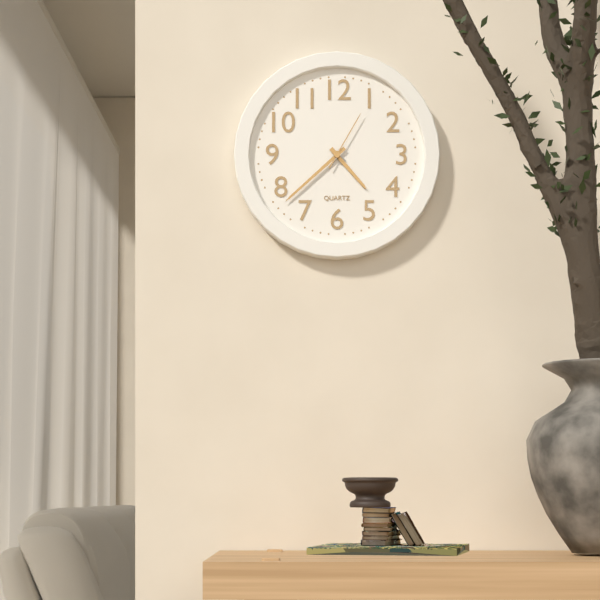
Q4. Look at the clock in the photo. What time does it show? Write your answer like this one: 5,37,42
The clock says 4,38,05
